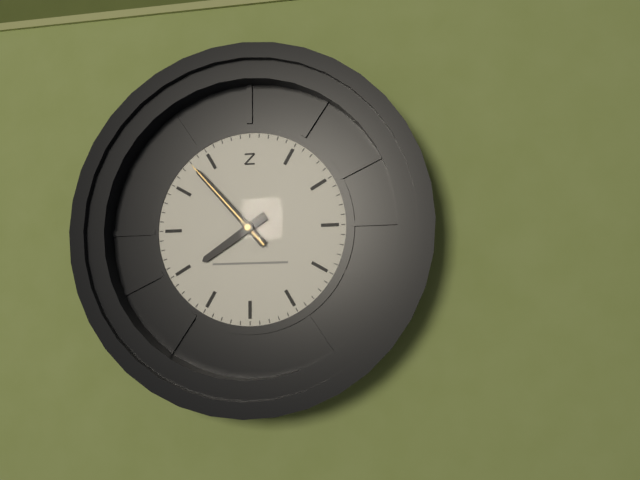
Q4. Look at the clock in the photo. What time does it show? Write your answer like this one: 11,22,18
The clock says 7,53,53
